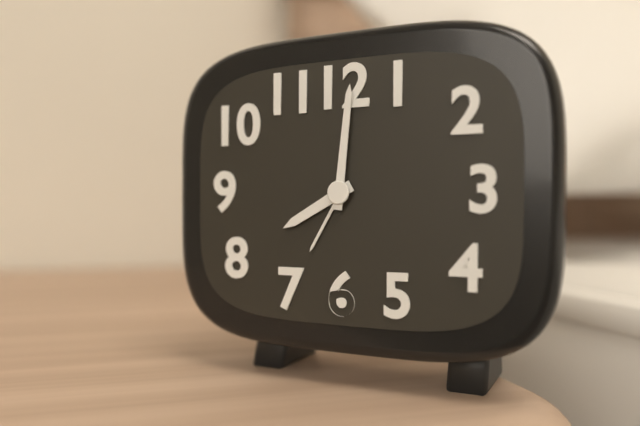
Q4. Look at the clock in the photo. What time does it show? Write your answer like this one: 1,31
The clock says 8,01
